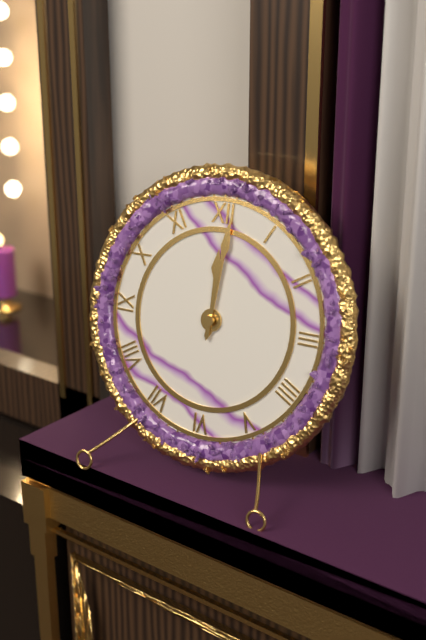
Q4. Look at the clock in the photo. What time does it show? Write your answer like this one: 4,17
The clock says 12,01
